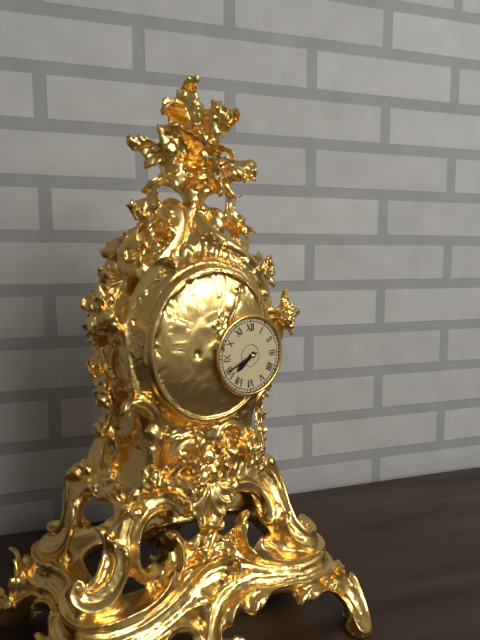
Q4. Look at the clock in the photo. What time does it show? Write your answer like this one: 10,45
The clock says 7,41
